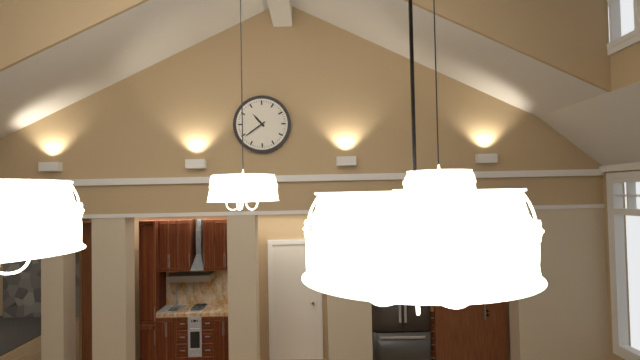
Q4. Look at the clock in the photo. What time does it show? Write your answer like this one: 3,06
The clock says 10,39
